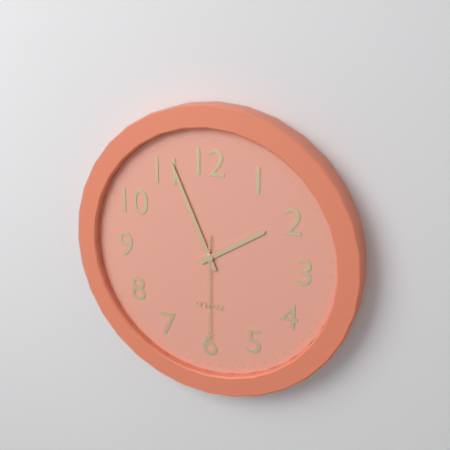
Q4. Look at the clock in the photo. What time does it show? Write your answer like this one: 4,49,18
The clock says 1,56,30
